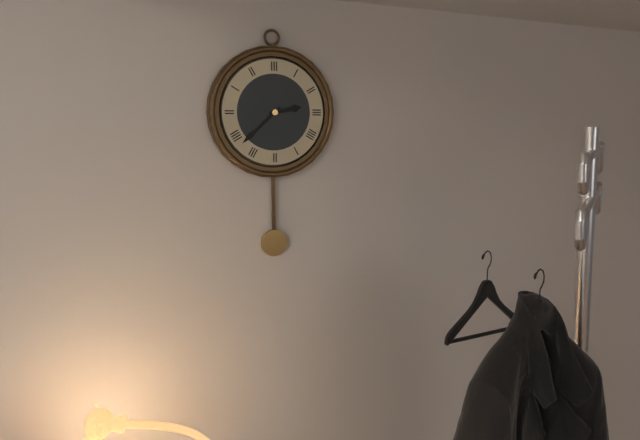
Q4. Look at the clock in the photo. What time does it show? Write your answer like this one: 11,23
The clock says 2,38
